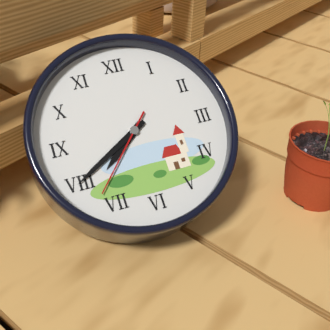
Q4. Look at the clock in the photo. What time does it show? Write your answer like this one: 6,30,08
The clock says 7,40,37
